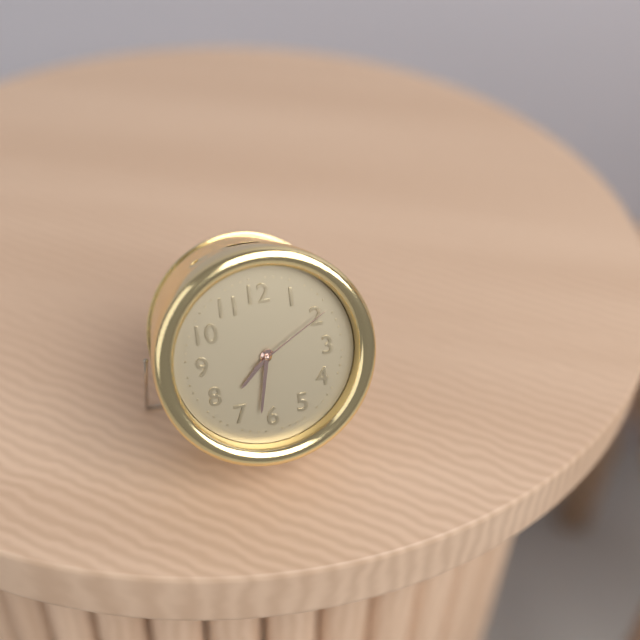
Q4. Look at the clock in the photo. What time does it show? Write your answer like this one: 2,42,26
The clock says 7,32,10
